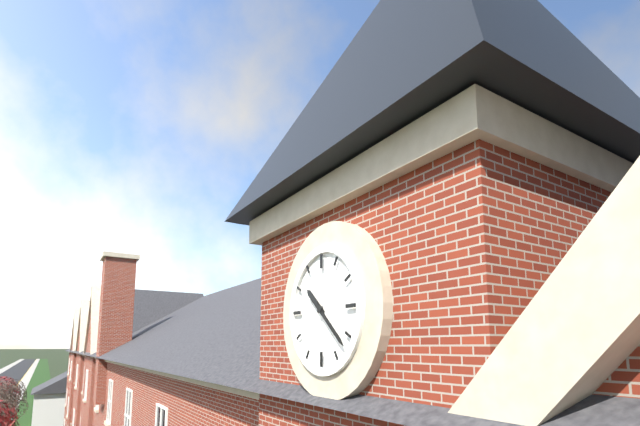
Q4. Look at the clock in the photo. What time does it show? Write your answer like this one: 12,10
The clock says 10,22
